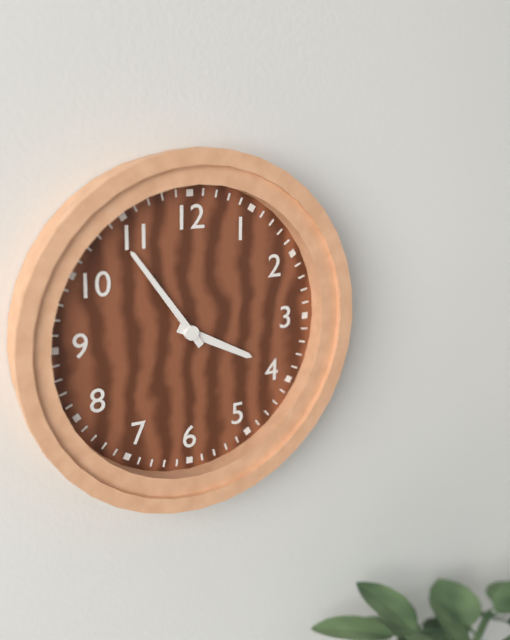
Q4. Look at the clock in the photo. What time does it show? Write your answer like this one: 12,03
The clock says 3,54
